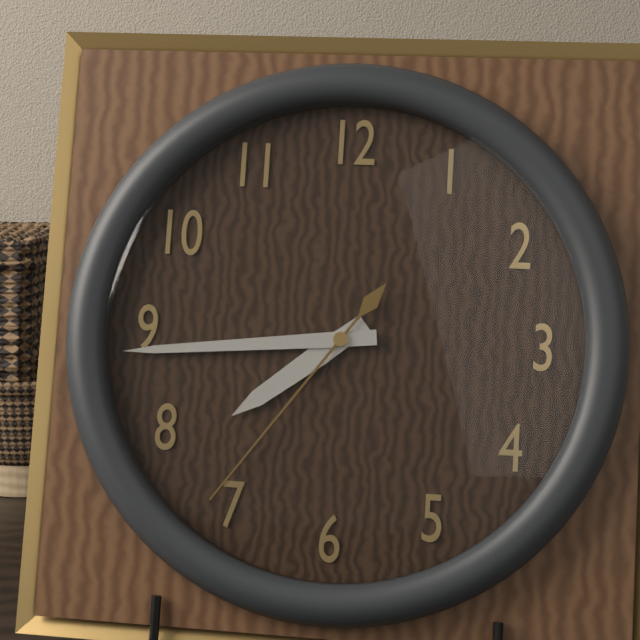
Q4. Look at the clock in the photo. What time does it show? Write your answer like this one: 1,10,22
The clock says 7,44,36
